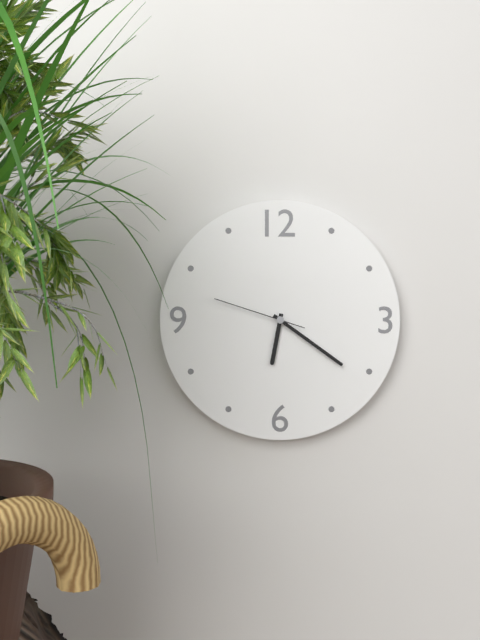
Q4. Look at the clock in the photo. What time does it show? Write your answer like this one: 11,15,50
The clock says 6,21,48
